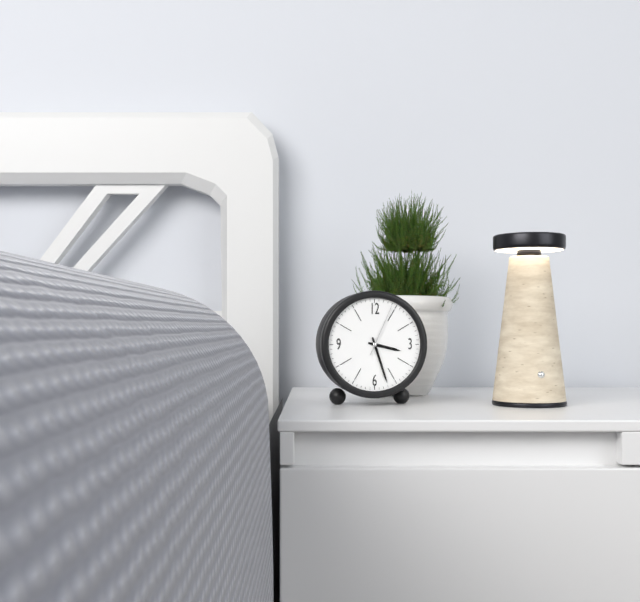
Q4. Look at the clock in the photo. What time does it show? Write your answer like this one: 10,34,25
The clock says 3,27,04
